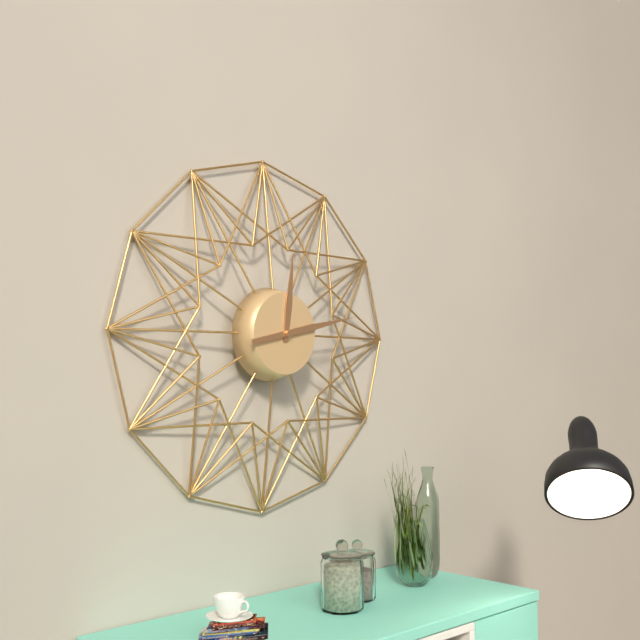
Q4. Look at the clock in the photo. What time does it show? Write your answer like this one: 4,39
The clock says 12,13
